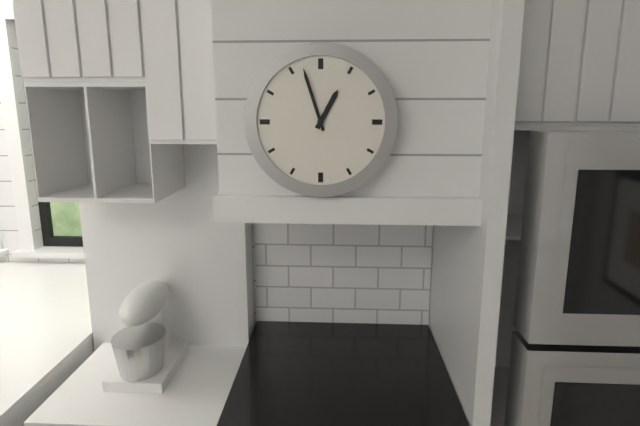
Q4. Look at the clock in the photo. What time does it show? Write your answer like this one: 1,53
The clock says 12,57
